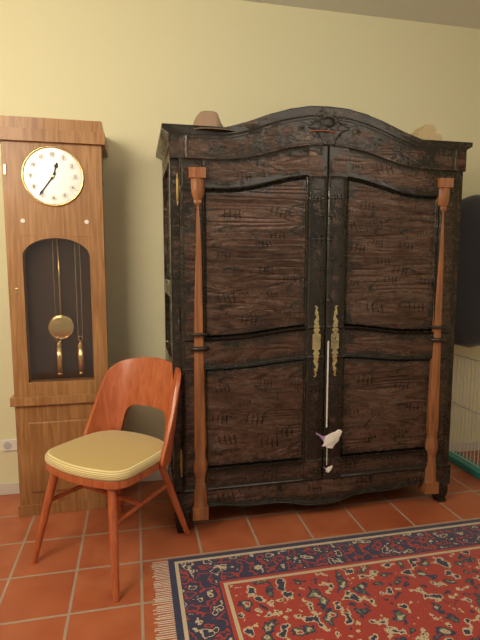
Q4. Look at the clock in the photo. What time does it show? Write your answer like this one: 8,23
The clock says 12,36
